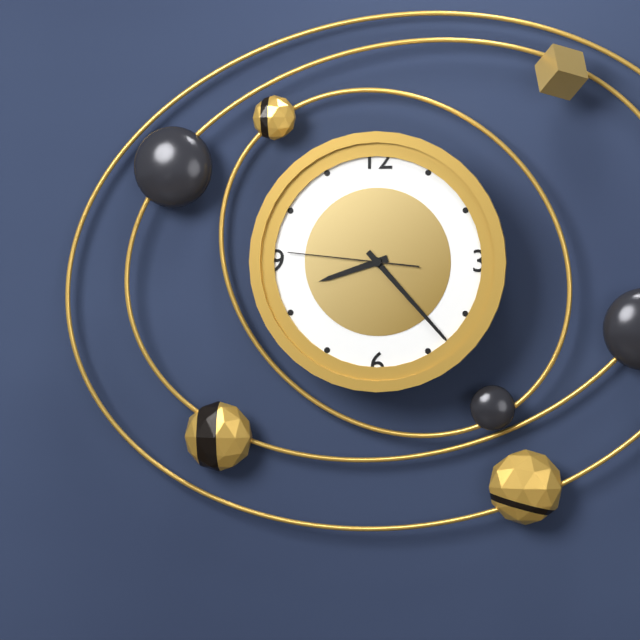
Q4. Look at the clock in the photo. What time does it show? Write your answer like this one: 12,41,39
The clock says 8,23,46
